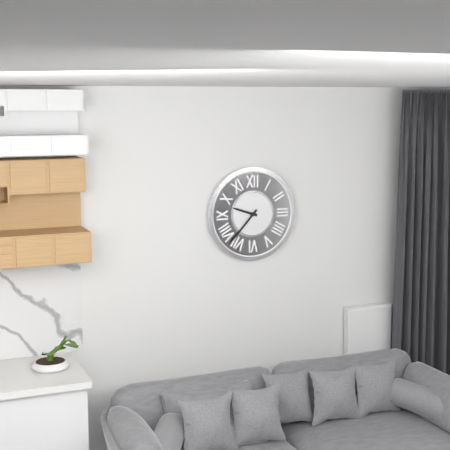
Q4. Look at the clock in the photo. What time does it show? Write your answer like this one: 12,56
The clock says 9,37
